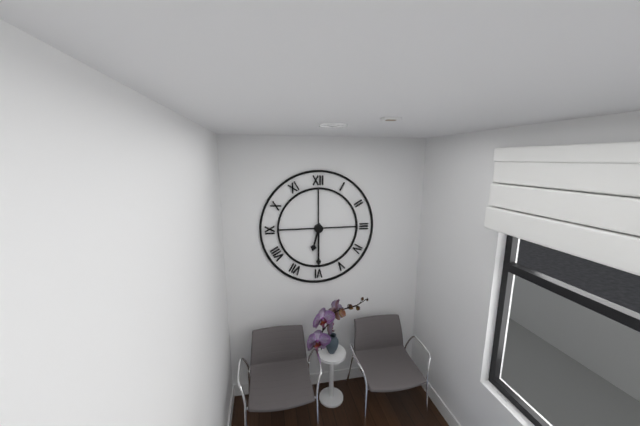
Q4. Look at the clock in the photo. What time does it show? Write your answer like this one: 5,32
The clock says 6,30
